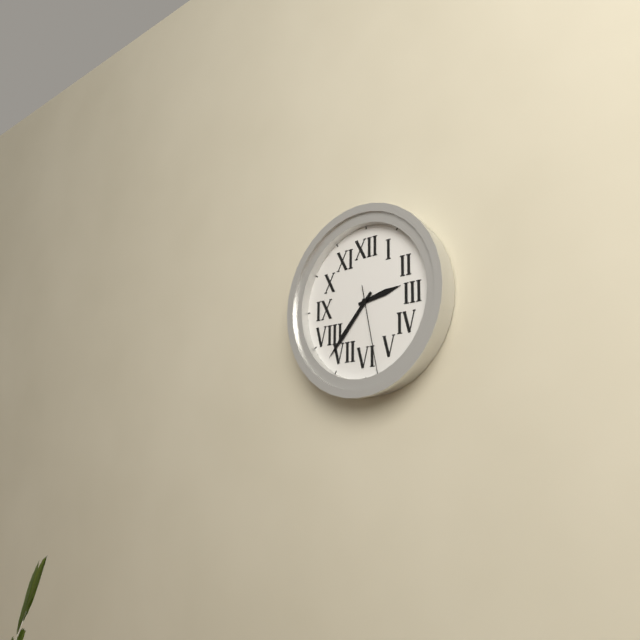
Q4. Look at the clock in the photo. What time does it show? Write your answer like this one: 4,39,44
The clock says 2,37,28
